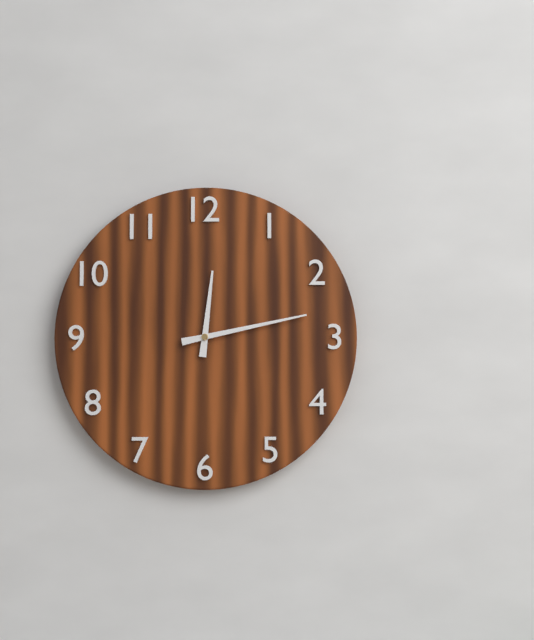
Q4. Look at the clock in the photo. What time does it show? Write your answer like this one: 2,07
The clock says 12,13
